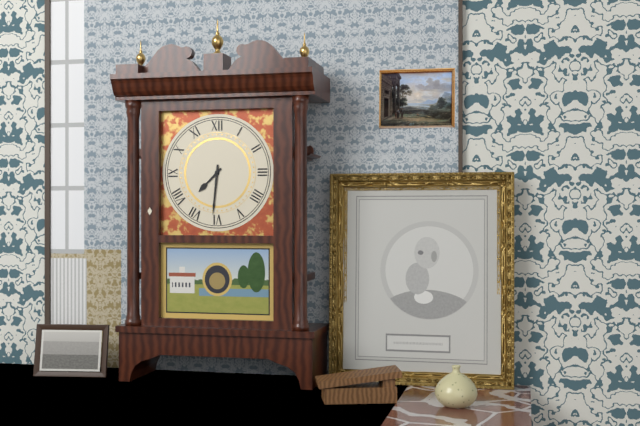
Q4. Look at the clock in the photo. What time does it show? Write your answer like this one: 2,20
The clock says 7,31
